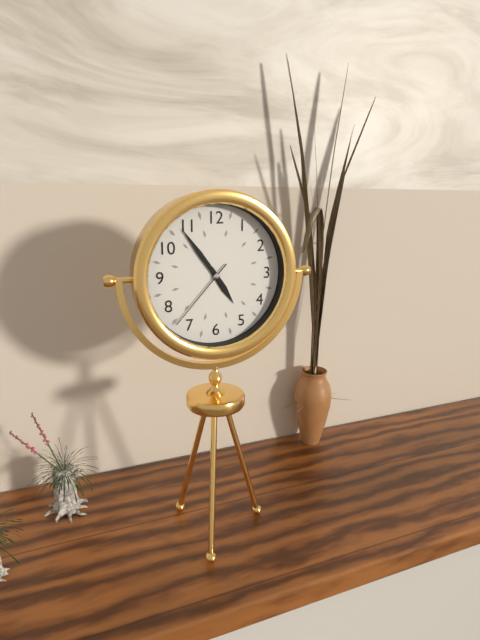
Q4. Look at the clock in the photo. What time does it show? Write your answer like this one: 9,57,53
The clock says 4,54,37
